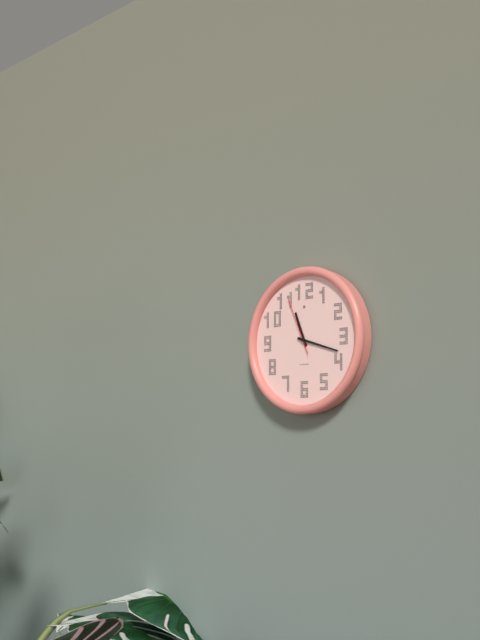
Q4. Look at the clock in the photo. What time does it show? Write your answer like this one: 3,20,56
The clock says 11,18,56
